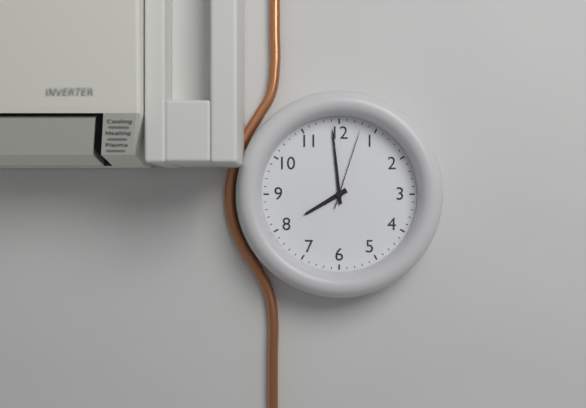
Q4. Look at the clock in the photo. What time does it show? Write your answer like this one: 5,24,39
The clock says 7,59,03
